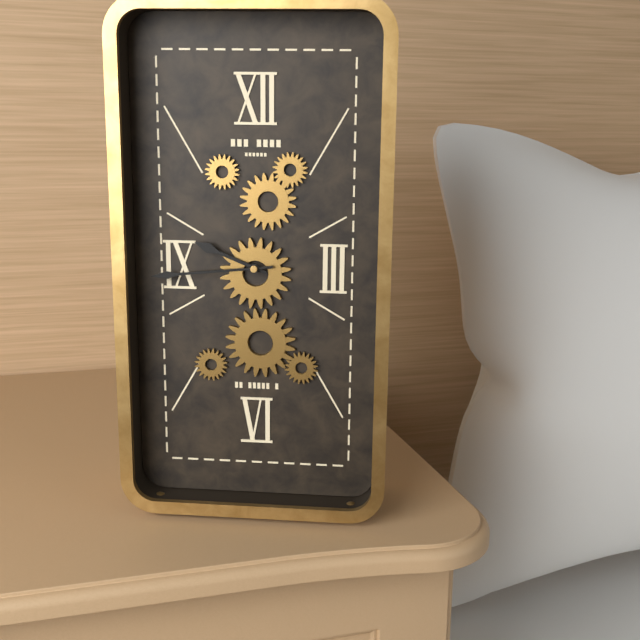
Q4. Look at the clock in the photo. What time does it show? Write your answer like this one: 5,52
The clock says 9,44
